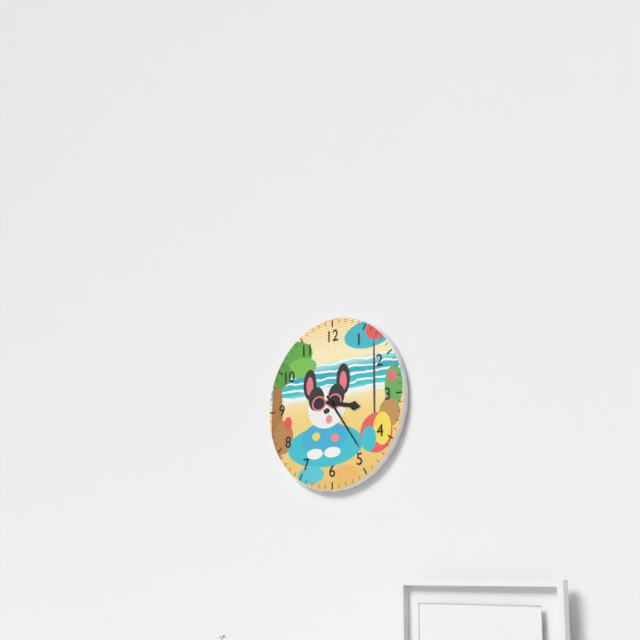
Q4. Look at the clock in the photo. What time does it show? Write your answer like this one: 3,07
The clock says 3,24
